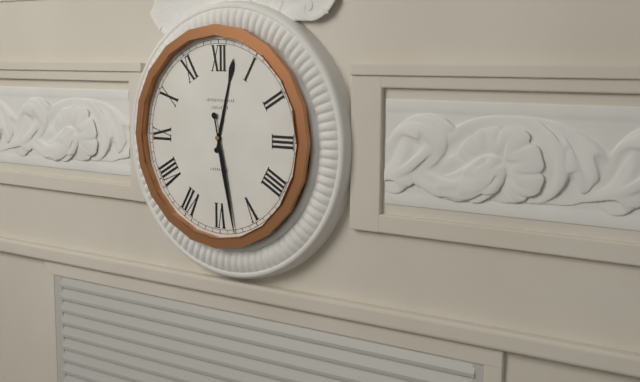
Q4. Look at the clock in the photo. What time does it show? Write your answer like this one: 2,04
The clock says 12,28
